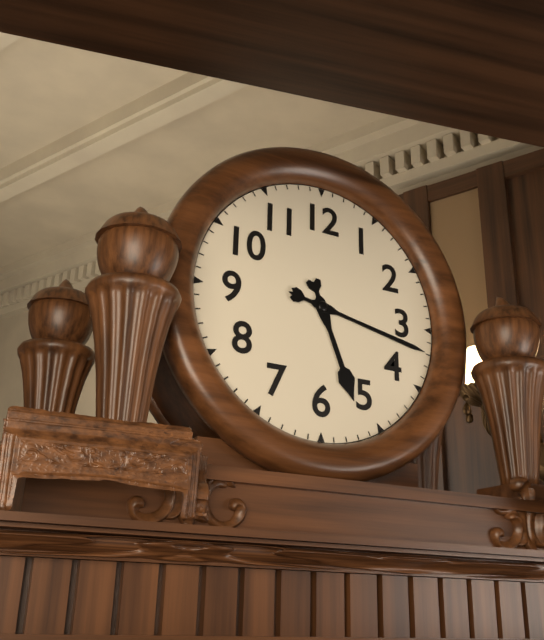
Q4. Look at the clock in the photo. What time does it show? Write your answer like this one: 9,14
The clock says 5,17
